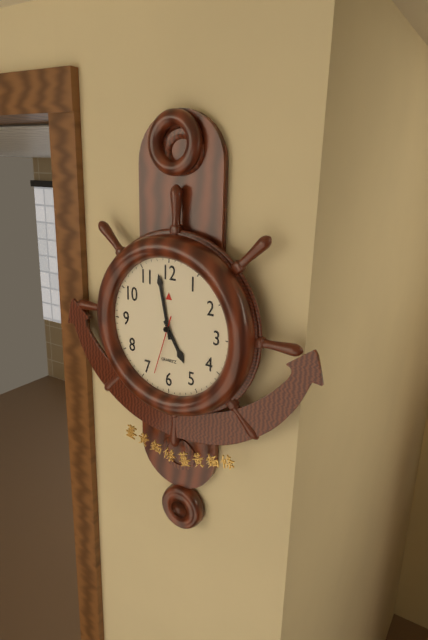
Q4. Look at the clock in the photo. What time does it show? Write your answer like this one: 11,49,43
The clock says 4,58,33
